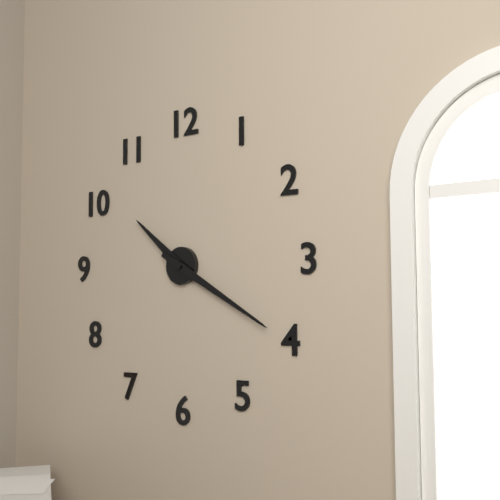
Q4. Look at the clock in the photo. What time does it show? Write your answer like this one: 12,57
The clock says 10,20
